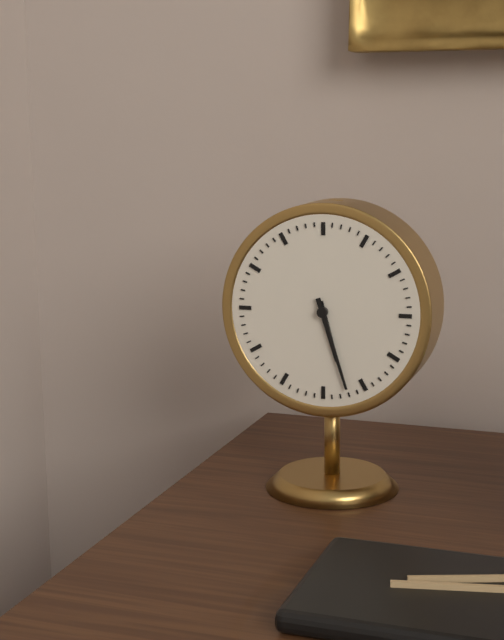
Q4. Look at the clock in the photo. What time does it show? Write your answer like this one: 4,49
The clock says 5,27
